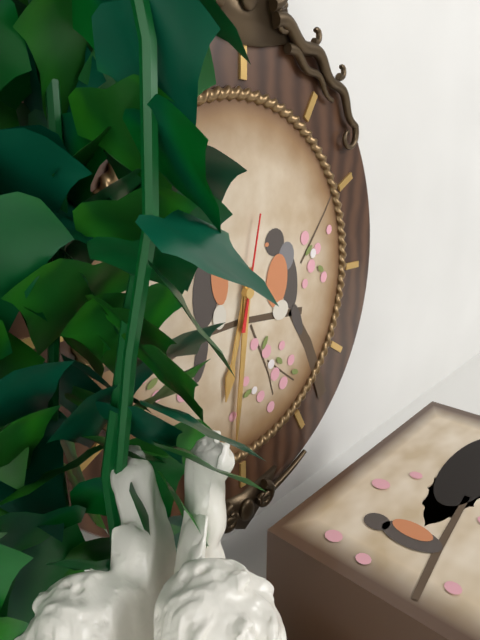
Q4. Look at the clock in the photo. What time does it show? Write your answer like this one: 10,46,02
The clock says 6,31,02
